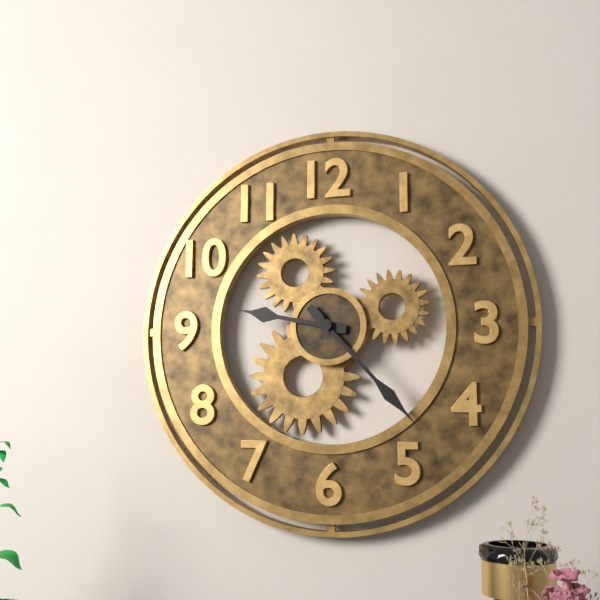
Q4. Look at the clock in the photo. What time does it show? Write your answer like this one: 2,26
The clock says 9,23
